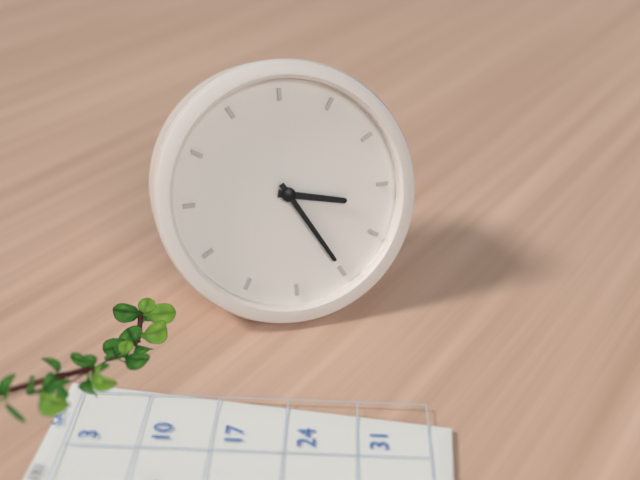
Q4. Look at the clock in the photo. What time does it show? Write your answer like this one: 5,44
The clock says 3,25
